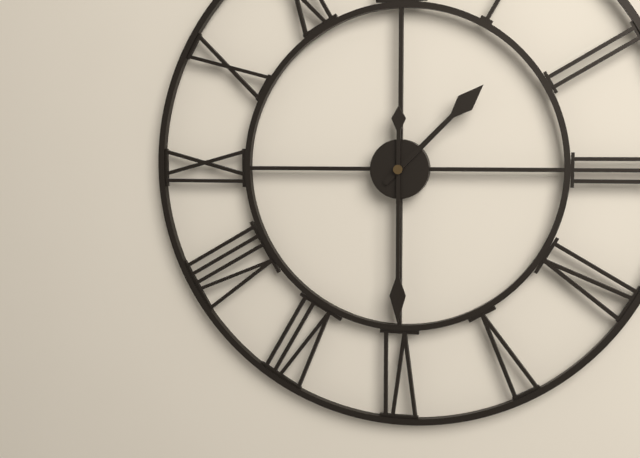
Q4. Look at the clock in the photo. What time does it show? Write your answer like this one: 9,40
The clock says 1,30
